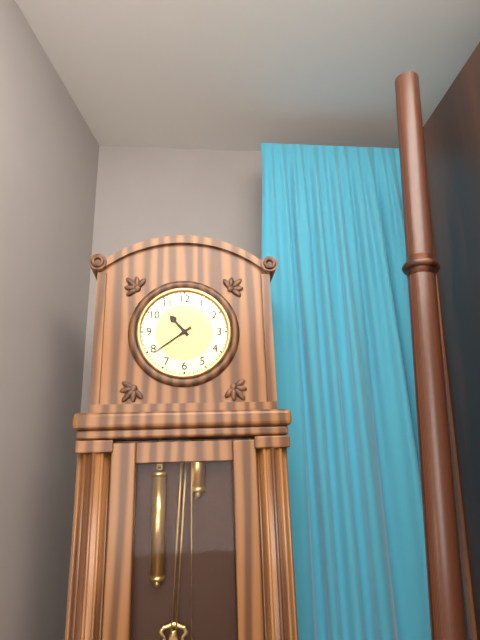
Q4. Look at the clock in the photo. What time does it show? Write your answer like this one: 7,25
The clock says 10,39
